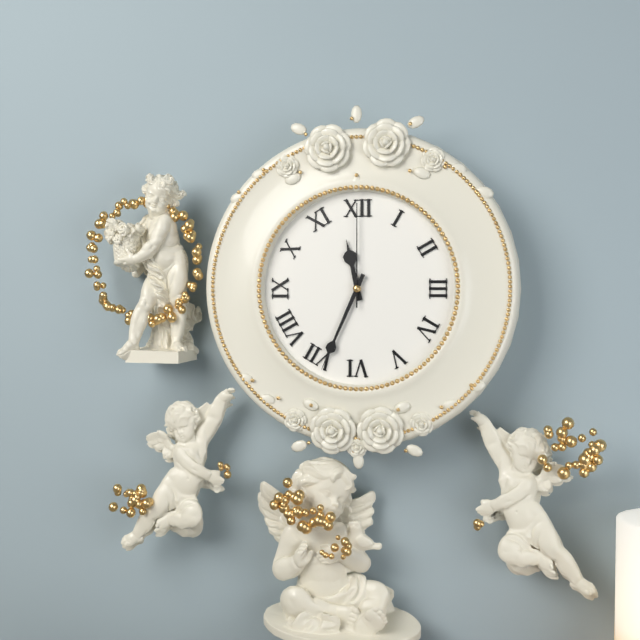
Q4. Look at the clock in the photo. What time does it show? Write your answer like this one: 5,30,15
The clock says 11,34,00
